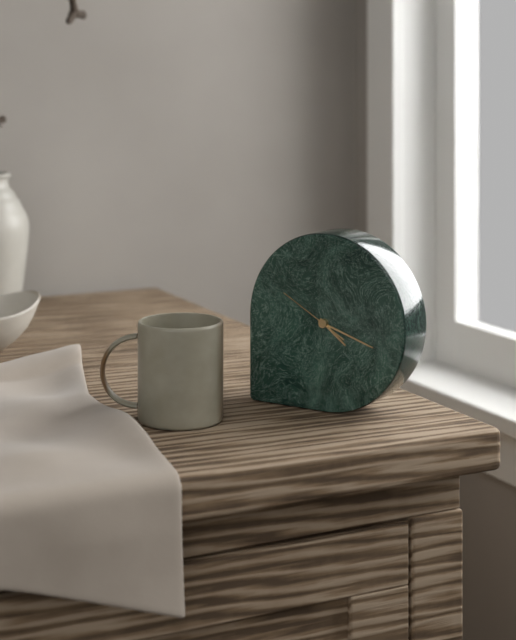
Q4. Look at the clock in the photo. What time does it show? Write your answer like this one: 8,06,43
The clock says 4,18,50
